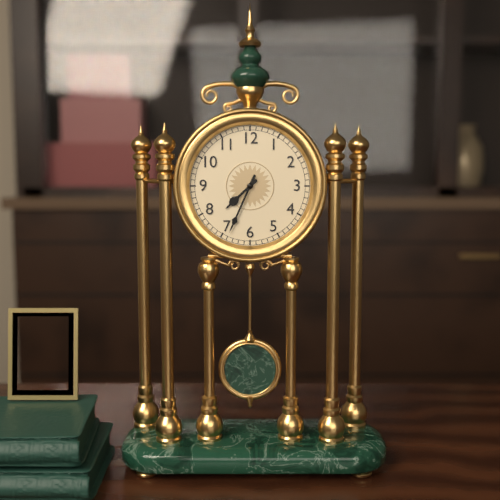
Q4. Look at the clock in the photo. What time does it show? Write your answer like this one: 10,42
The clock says 7,34
